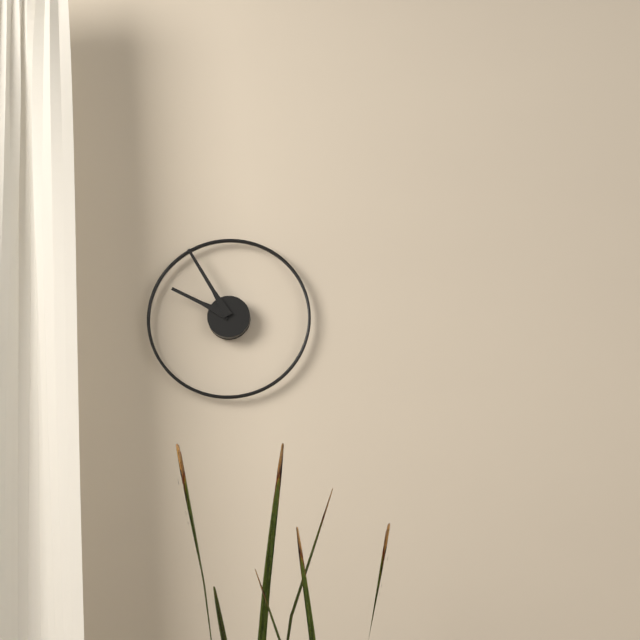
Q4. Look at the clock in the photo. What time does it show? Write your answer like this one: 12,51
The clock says 9,55
